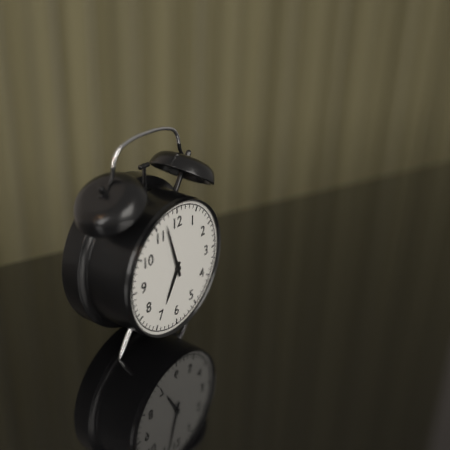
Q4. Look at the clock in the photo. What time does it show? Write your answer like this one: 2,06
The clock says 6,57
